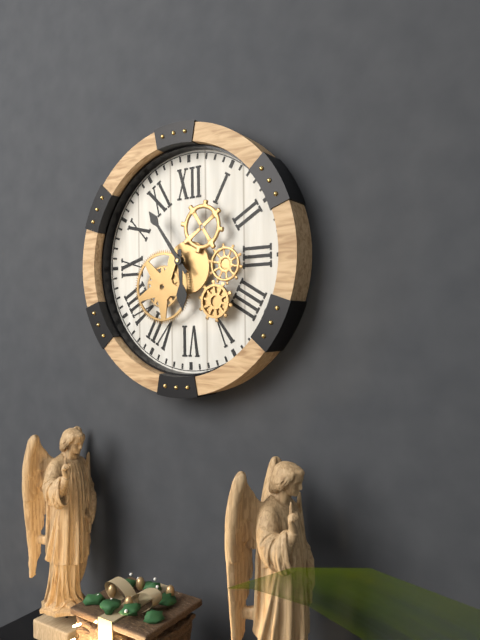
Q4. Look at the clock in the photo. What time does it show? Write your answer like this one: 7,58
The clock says 5,54
